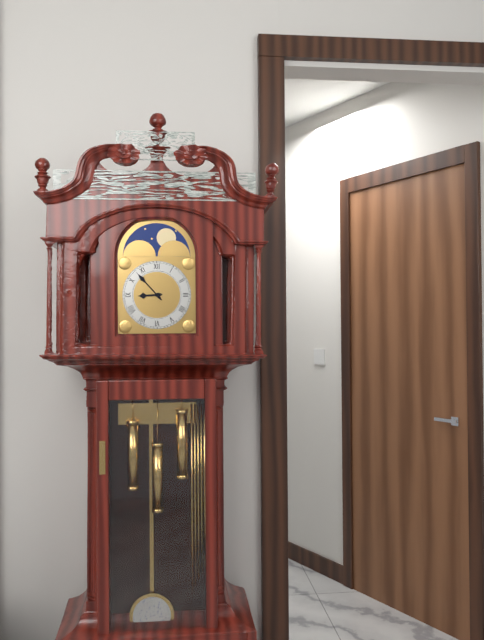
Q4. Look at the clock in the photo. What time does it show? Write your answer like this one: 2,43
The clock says 8,53
